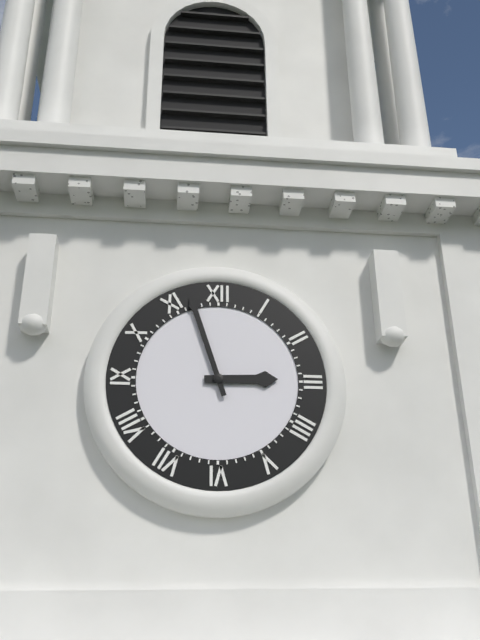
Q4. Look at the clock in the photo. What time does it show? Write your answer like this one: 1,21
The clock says 2,57
